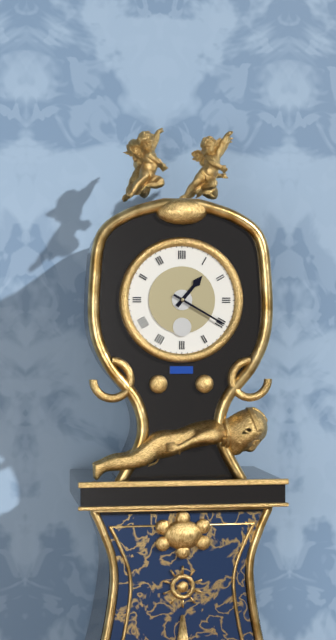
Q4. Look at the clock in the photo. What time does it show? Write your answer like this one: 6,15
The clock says 1,20
